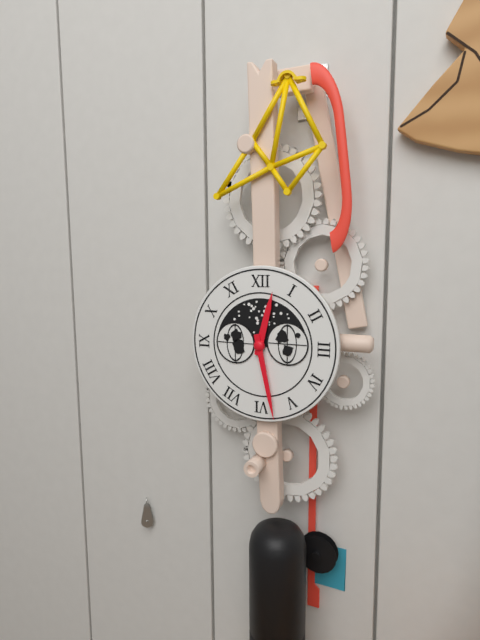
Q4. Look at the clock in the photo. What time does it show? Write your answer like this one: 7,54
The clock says 12,28
